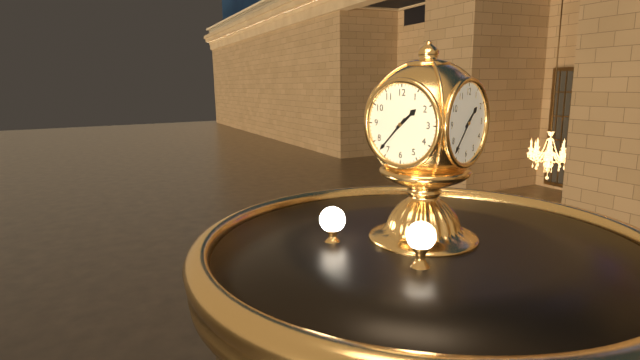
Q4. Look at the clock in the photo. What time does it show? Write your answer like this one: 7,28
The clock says 1,37
